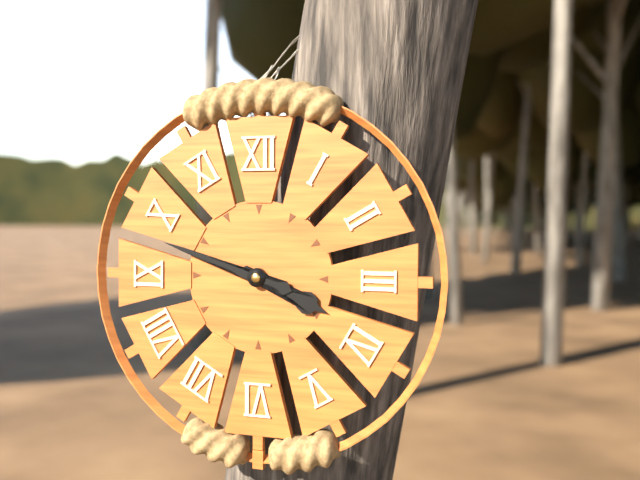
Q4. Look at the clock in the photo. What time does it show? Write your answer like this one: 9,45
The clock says 3,48
